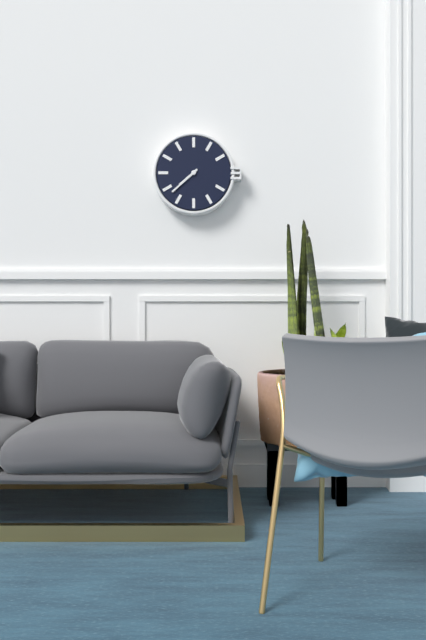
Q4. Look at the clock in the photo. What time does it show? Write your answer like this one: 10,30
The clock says 7,38
